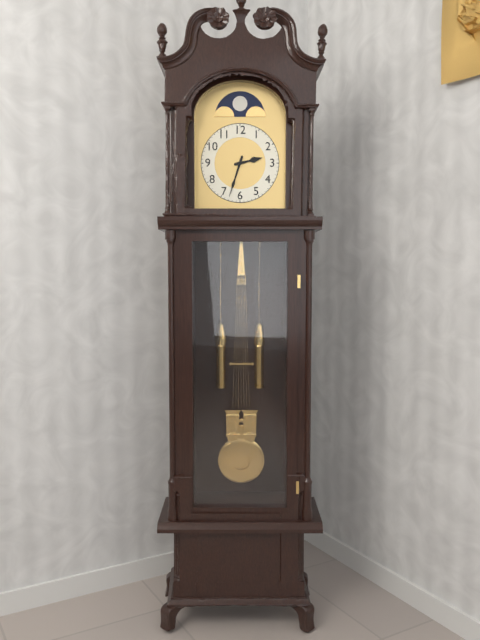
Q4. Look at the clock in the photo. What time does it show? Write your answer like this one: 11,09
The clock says 2,33
